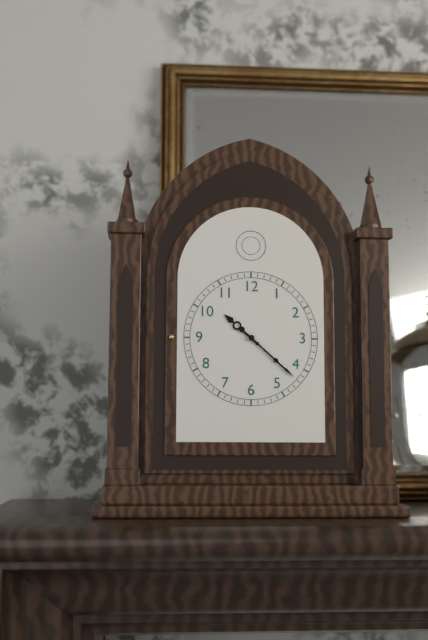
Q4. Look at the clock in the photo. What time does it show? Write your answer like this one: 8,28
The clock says 10,22
